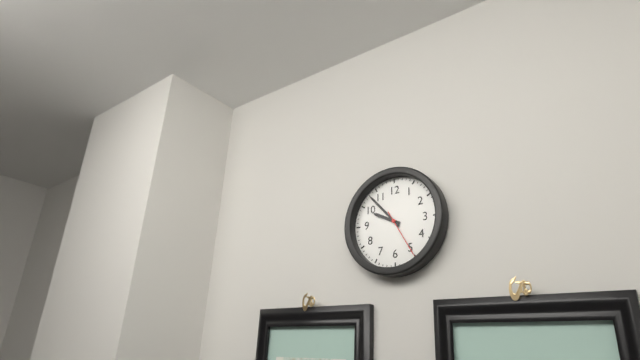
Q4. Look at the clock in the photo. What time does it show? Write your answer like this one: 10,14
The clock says 9,53
